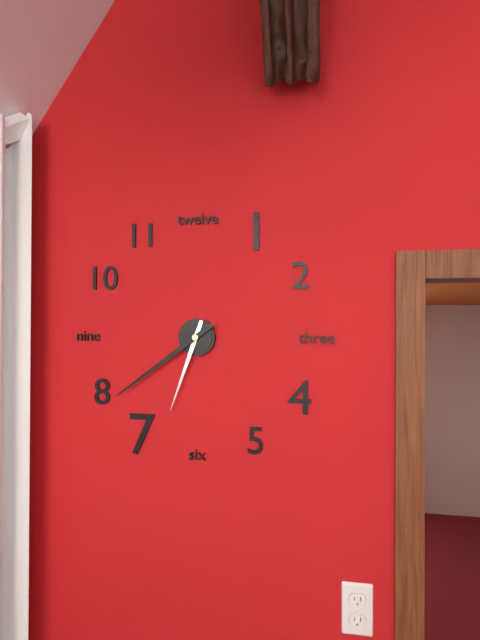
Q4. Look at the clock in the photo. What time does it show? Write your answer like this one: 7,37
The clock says 6,39
